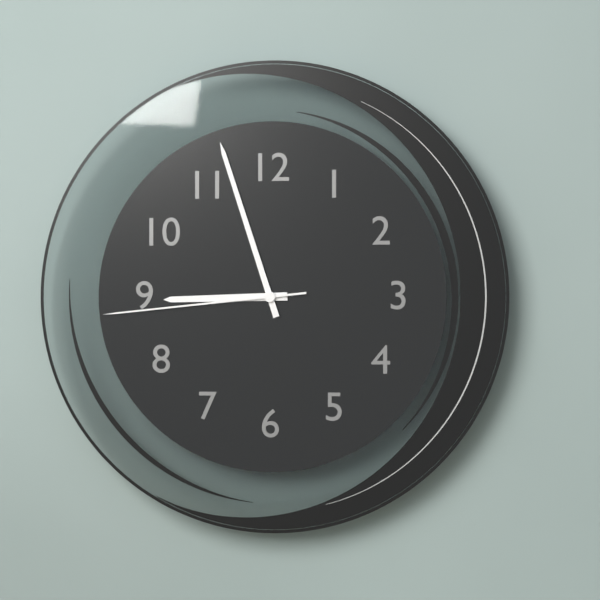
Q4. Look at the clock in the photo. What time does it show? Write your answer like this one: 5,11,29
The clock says 8,57,44
